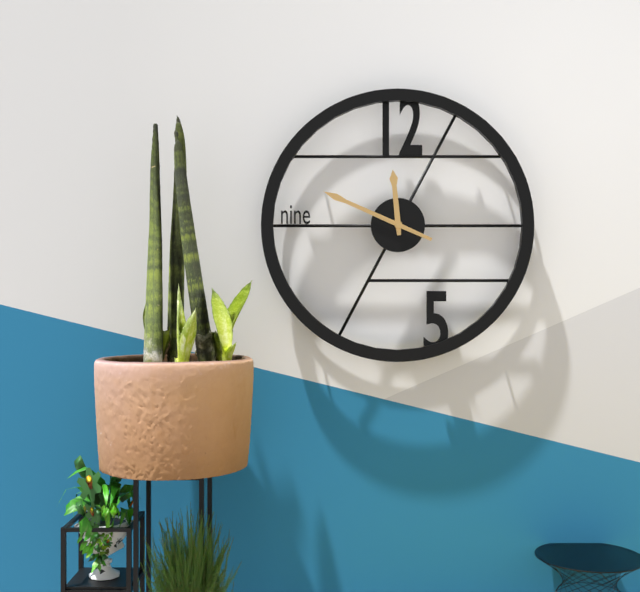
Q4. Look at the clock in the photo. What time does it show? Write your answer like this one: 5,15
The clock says 11,49
